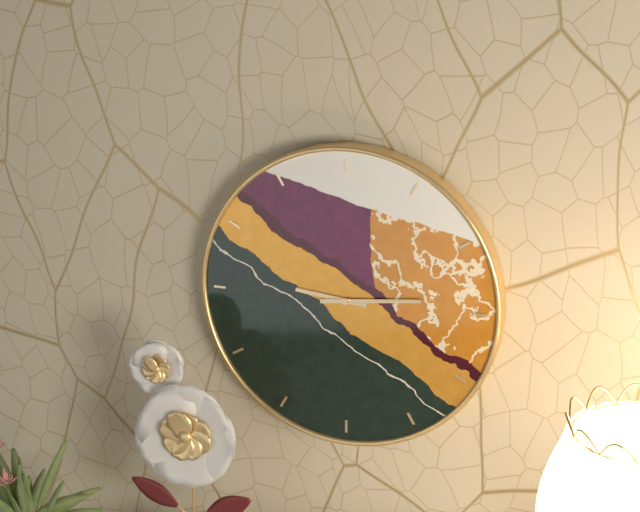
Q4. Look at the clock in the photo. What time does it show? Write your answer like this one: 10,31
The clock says 9,14
